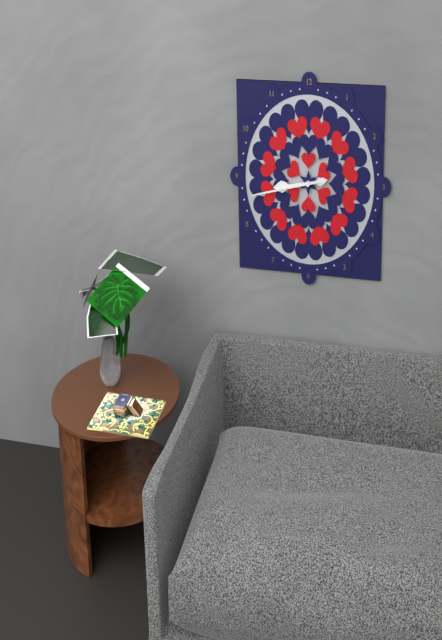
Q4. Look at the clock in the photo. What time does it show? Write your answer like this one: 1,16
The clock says 8,43
